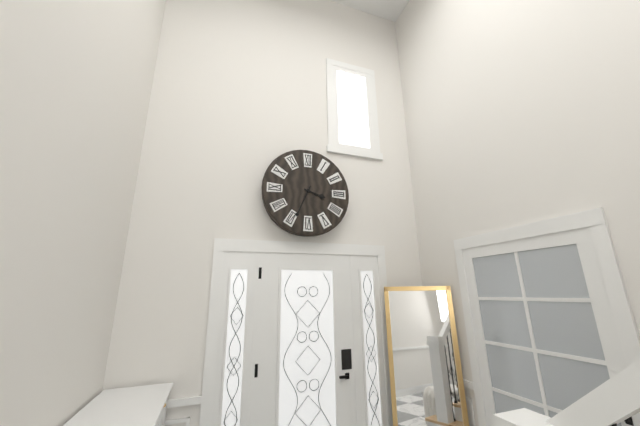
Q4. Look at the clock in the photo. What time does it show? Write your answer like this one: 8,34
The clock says 3,34
